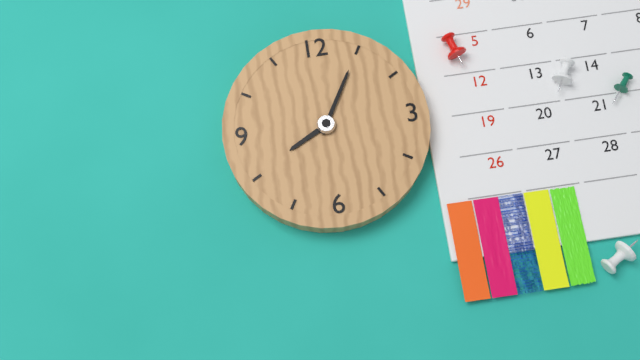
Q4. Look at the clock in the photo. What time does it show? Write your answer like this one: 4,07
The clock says 8,05
